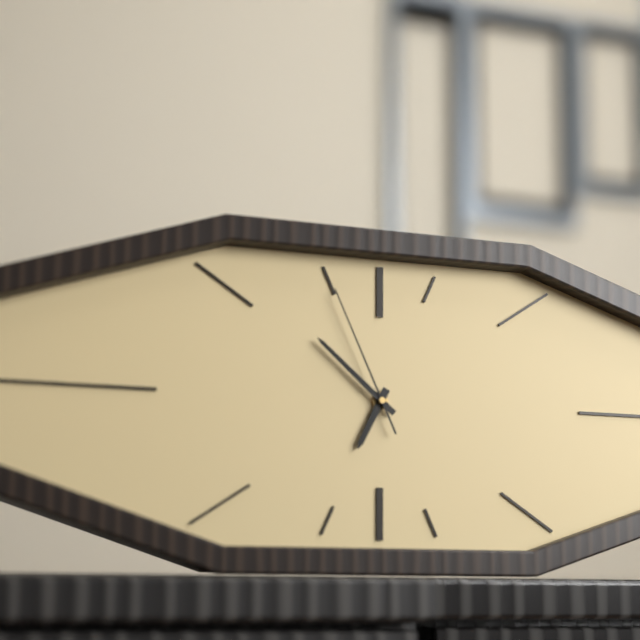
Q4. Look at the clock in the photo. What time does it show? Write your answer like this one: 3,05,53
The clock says 6,52,56
